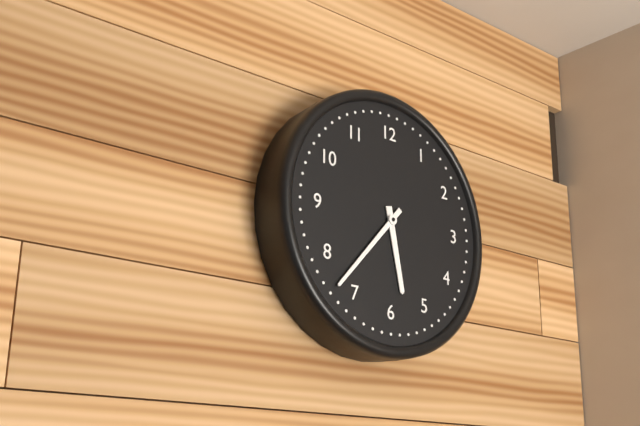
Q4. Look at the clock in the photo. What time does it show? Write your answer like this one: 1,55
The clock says 5,37
